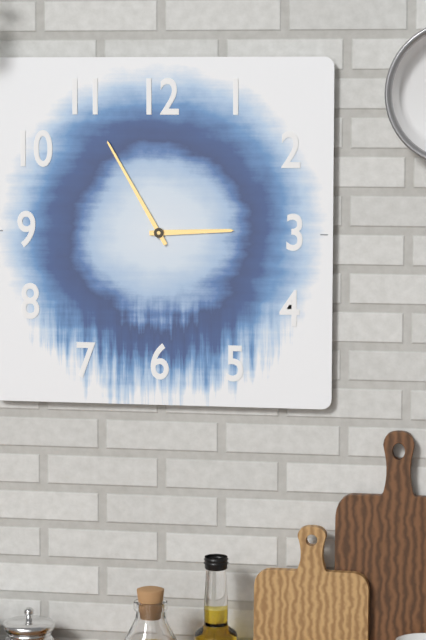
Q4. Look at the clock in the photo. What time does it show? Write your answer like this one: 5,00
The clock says 2,55
